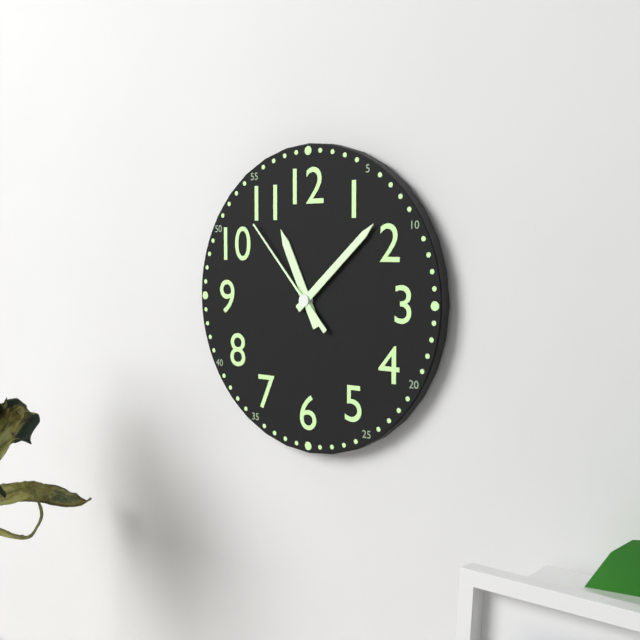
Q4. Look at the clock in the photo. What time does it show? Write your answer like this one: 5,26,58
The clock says 11,08,53
